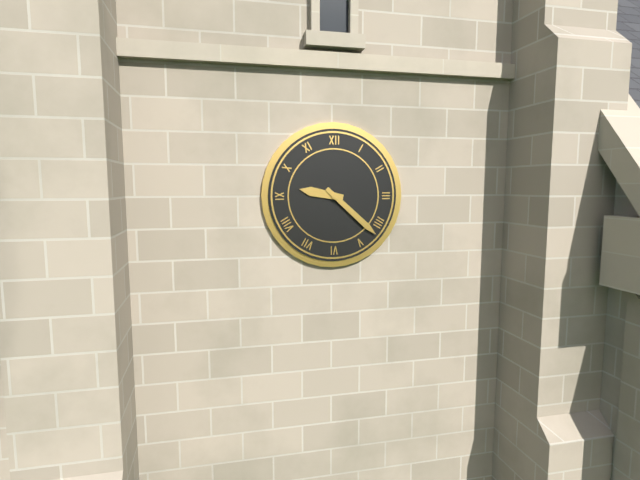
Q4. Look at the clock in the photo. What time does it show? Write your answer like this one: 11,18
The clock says 9,22
